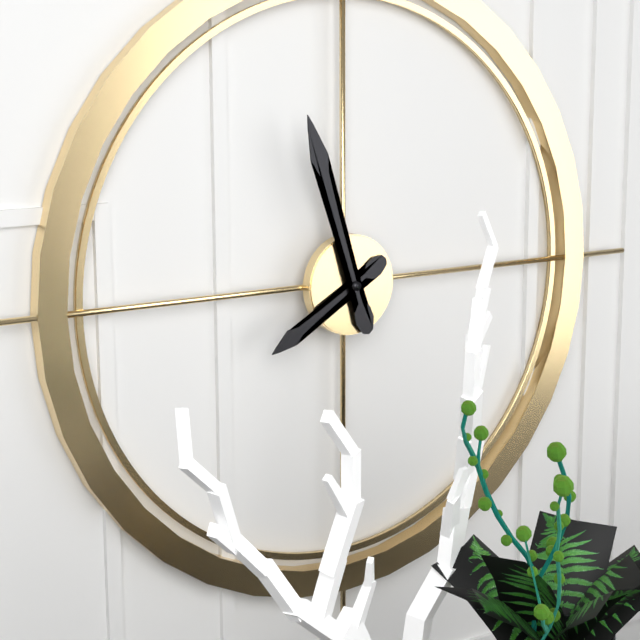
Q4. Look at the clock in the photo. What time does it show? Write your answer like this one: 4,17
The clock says 7,57
